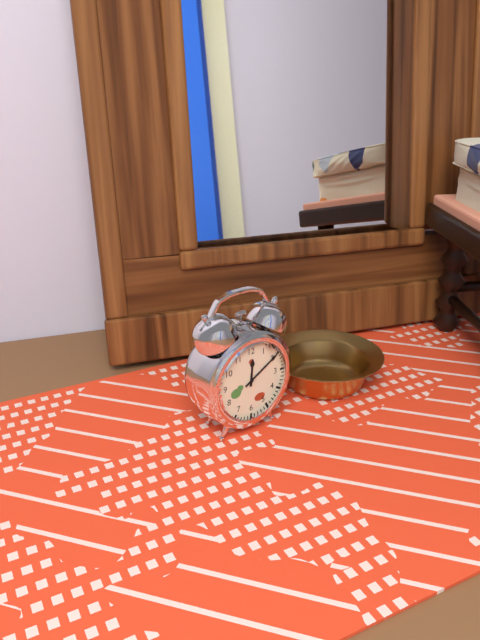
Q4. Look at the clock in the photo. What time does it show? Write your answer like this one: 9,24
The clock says 12,10
